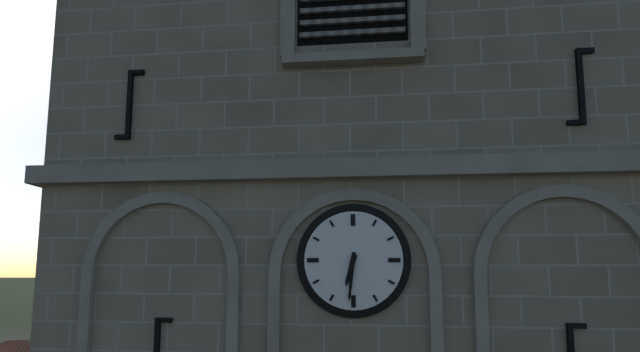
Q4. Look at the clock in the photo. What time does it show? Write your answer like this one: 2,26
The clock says 6,31
